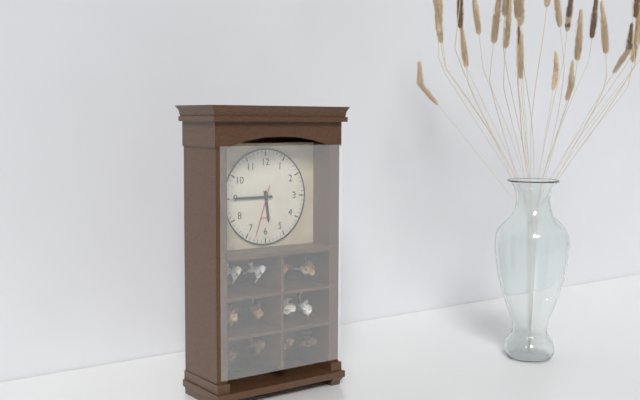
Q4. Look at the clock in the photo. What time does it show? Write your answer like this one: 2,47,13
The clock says 5,45,33
